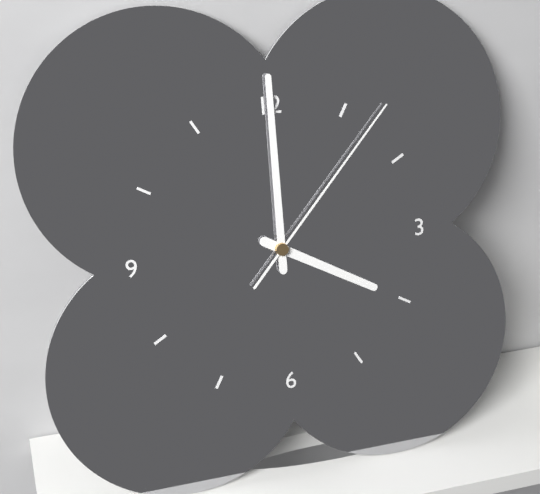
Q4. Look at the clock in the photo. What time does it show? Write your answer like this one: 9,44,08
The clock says 4,00,07
